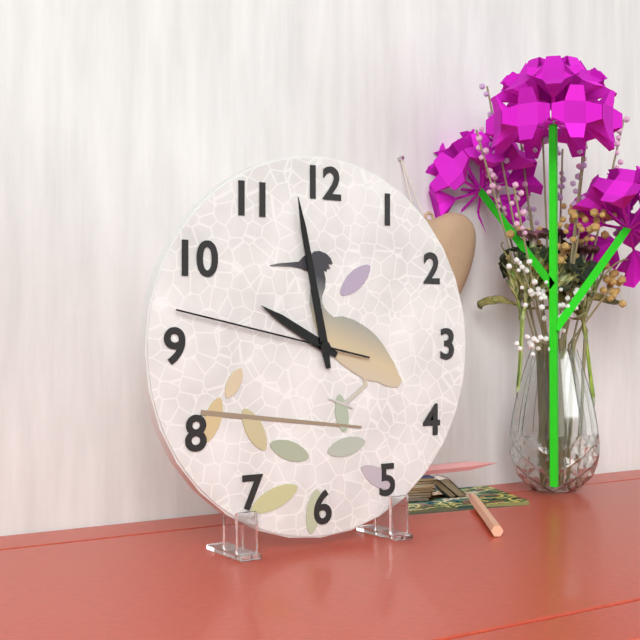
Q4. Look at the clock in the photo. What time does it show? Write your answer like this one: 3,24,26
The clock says 9,58,47
